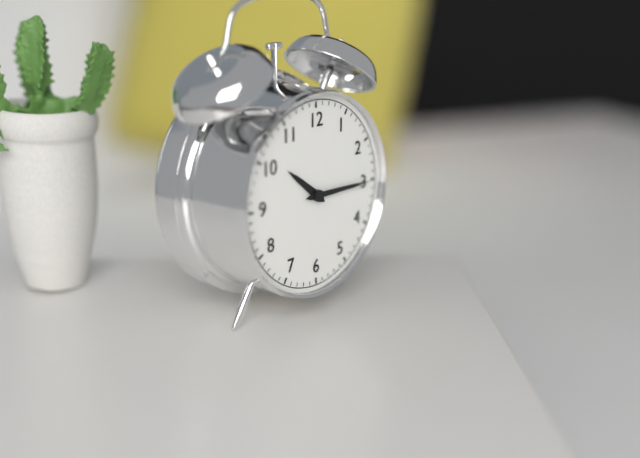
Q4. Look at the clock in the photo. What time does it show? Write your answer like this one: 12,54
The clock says 10,15
